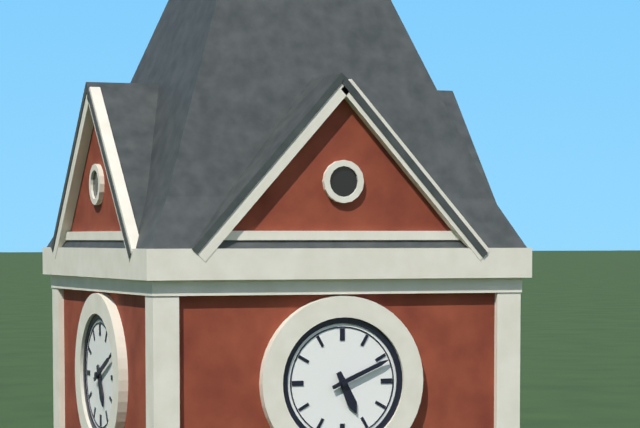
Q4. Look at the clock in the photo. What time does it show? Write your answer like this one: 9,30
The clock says 5,11
